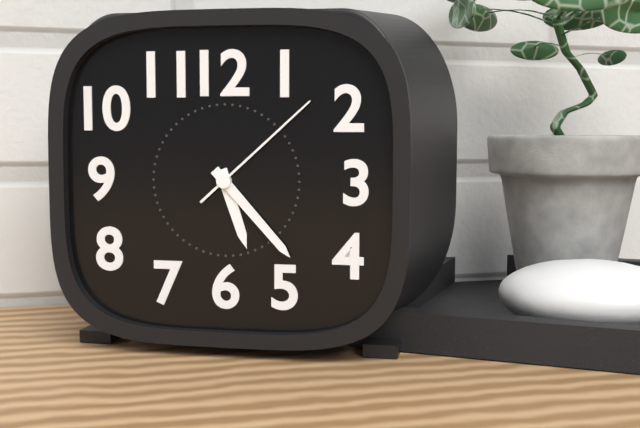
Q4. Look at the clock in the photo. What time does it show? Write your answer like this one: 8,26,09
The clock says 5,23,08
